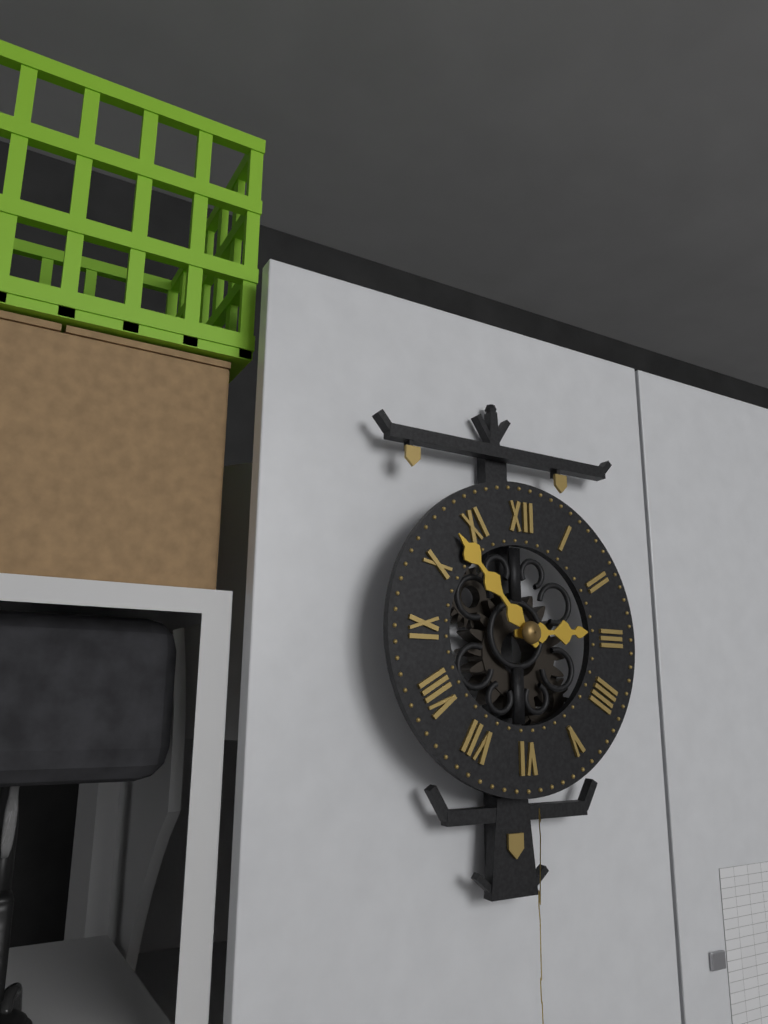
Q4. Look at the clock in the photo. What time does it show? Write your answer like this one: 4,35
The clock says 2,53
